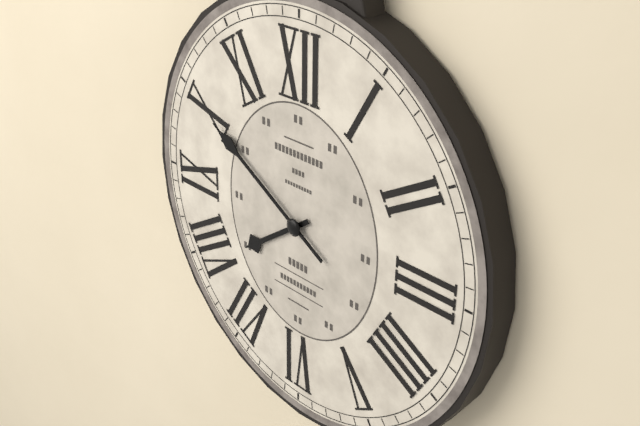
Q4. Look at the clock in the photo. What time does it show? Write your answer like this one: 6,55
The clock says 7,50
